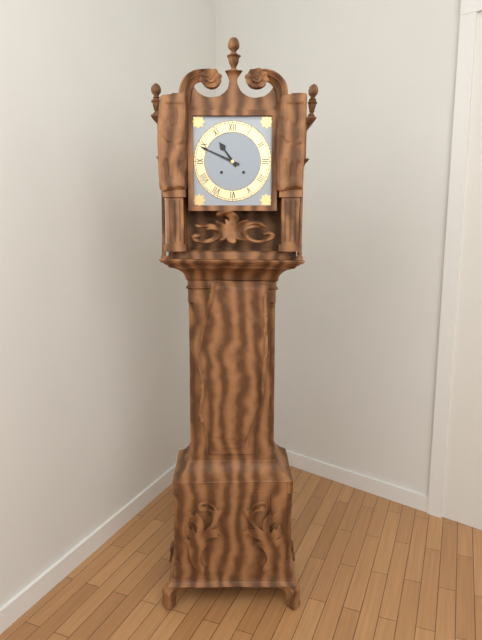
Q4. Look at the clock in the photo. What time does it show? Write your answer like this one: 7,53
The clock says 10,49
